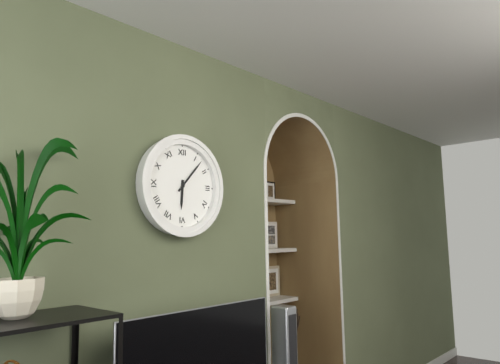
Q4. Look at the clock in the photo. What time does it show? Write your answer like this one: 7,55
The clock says 6,07
